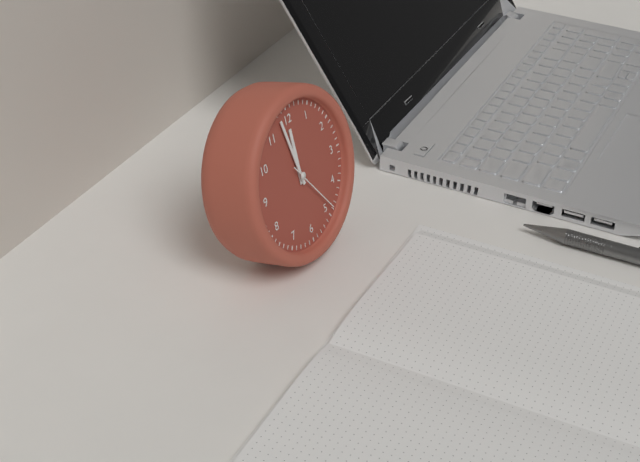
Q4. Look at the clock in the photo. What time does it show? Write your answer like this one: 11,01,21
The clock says 11,58,24
